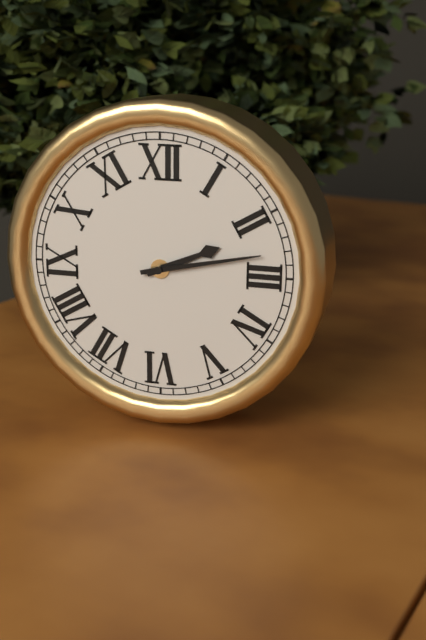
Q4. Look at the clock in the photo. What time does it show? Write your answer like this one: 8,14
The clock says 2,13
